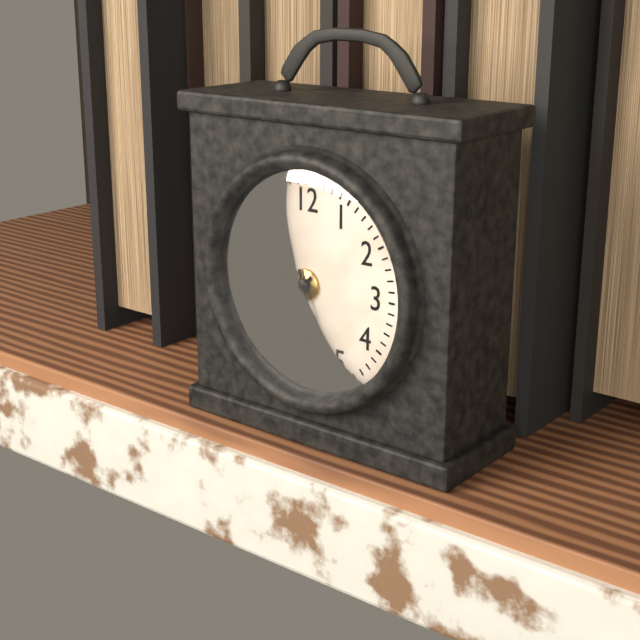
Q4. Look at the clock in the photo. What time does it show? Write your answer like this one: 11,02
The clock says 7,27
